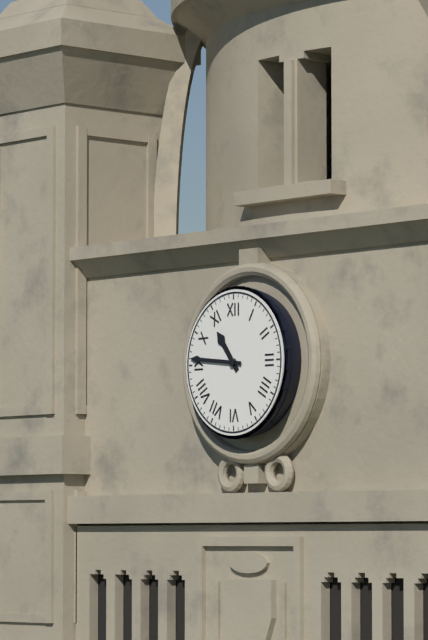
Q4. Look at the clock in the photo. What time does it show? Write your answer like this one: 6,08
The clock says 10,46
